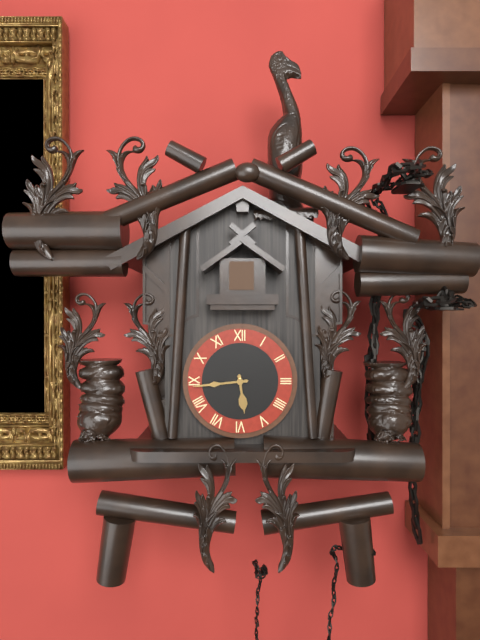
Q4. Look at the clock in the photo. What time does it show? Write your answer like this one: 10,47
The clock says 5,44
